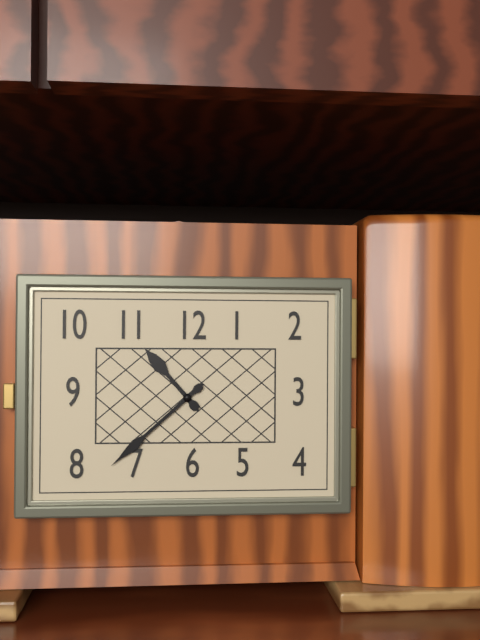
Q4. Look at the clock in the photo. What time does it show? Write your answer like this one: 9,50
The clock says 10,38
